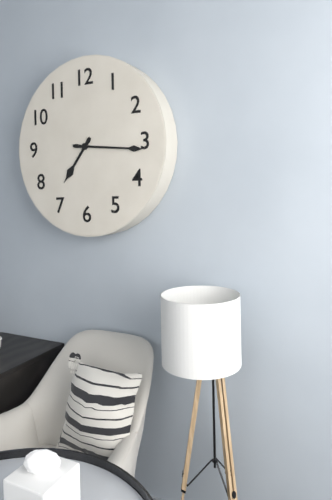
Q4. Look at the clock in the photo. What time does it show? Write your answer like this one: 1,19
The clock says 7,16
